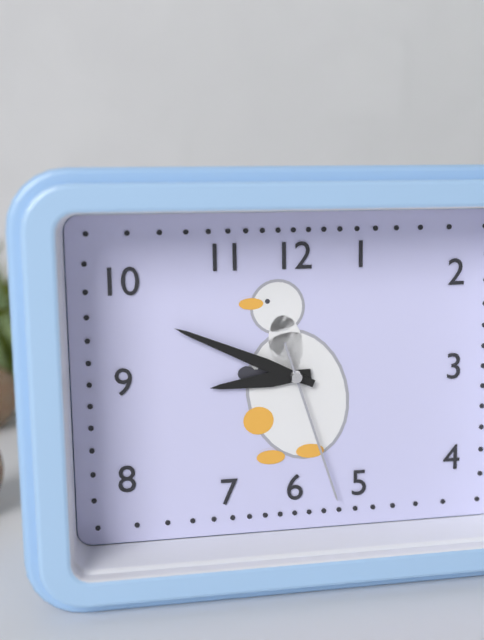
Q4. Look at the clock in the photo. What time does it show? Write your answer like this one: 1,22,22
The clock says 8,49,27
